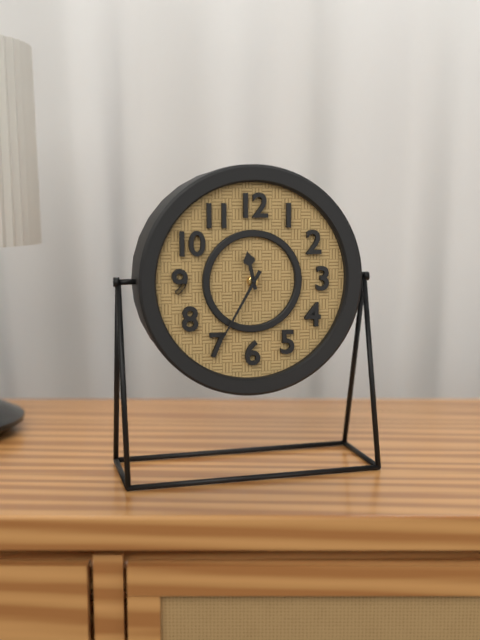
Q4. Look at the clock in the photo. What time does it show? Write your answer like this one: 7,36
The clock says 11,35
